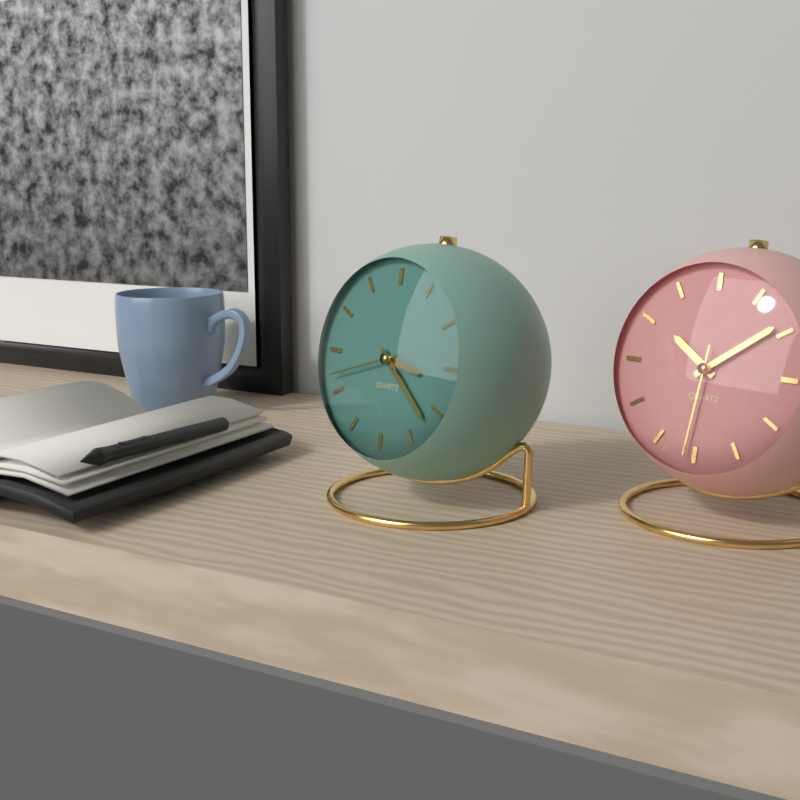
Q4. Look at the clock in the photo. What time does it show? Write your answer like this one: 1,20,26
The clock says 3,22,42
